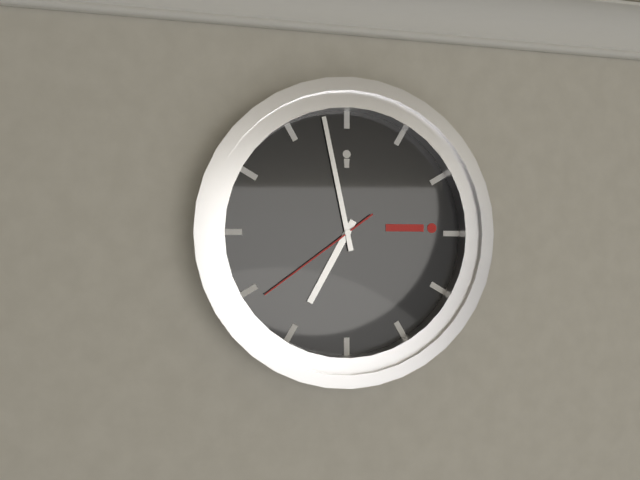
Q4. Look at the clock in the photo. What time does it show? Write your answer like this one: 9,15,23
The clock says 6,58,39
